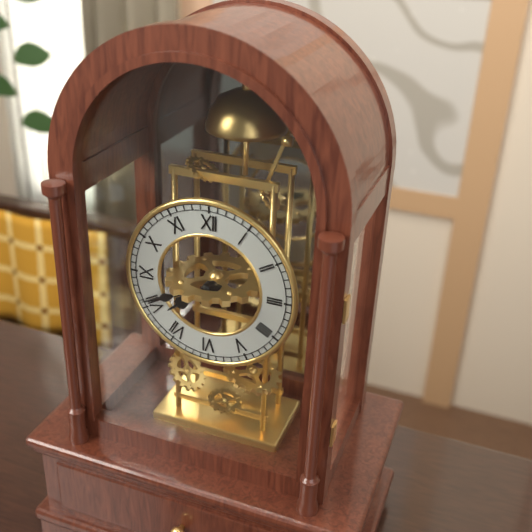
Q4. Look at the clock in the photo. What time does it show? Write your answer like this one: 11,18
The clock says 7,41
